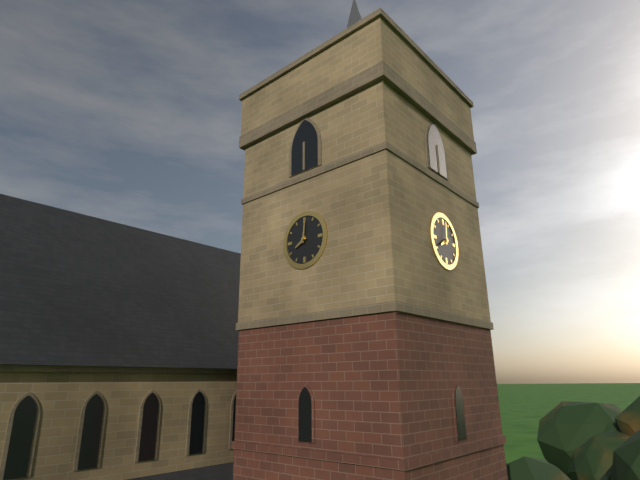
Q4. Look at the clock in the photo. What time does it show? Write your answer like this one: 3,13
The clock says 8,01
